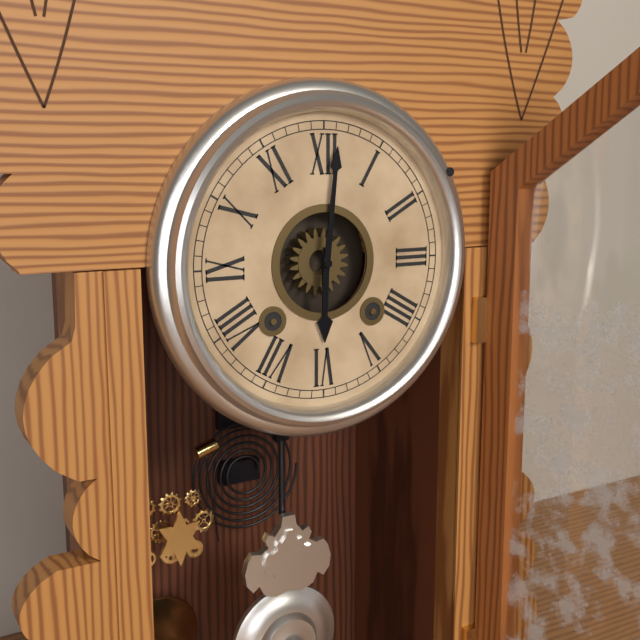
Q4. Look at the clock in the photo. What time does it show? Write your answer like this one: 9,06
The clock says 6,01
